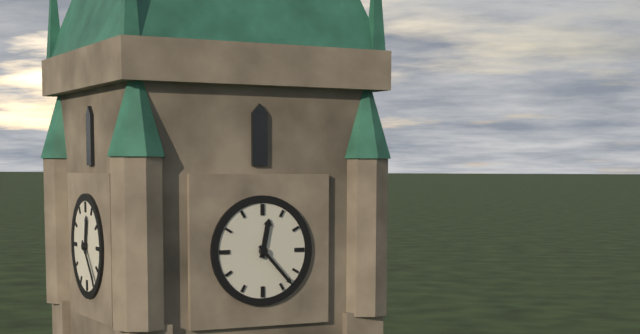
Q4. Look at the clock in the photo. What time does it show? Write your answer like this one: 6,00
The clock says 12,23
